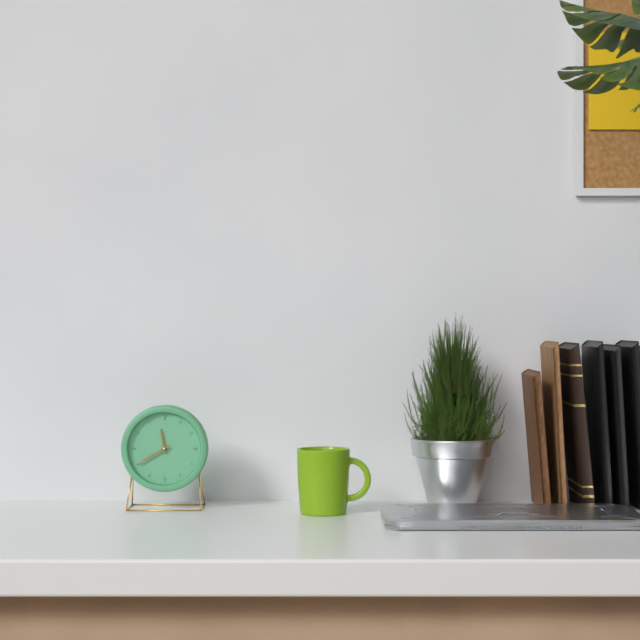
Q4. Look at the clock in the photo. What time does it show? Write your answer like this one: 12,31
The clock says 11,40
